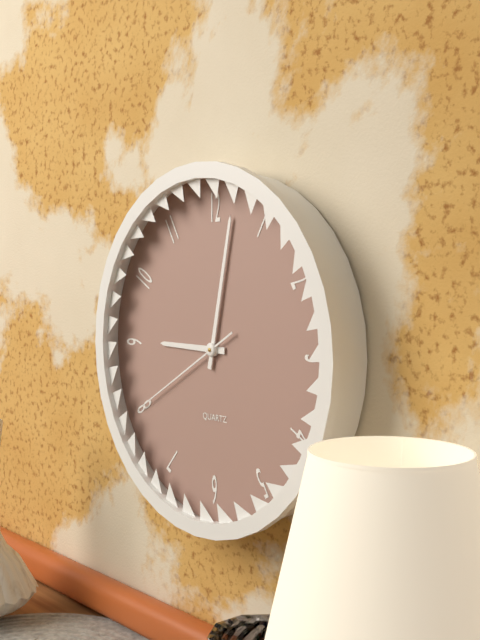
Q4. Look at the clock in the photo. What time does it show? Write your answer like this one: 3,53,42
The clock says 9,02,40
